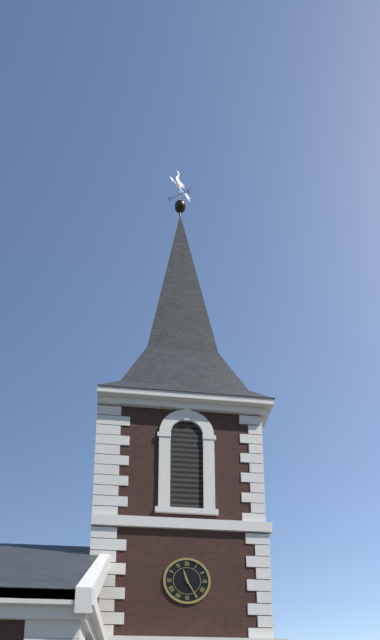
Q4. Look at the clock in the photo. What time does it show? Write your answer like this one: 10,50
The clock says 11,25
